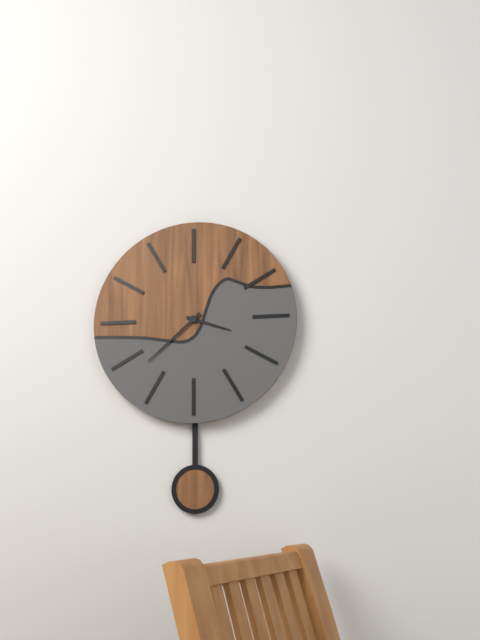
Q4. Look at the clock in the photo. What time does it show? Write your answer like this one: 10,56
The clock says 3,38
